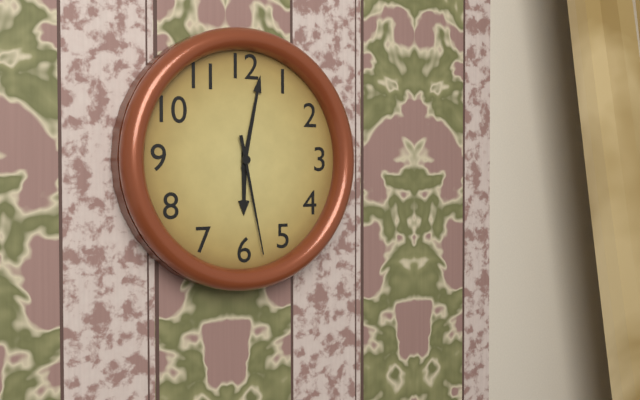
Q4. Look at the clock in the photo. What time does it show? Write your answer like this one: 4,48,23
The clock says 6,02,28
